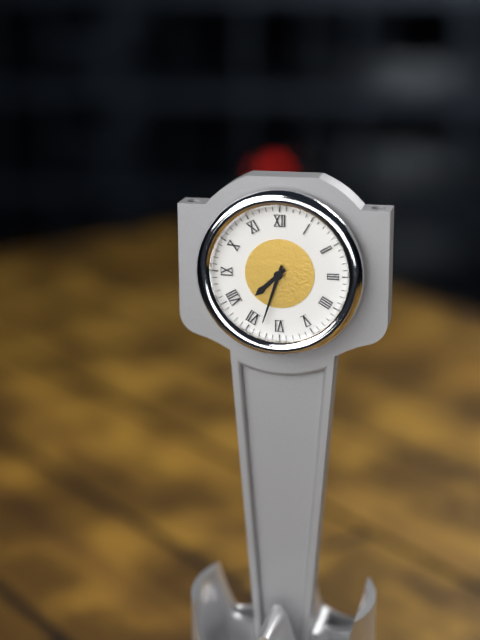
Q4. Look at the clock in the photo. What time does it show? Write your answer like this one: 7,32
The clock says 7,33
